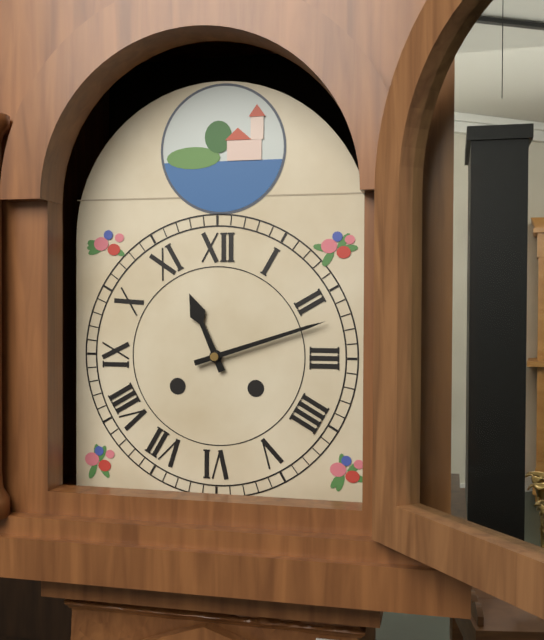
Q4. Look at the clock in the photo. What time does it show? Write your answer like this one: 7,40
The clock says 11,12
